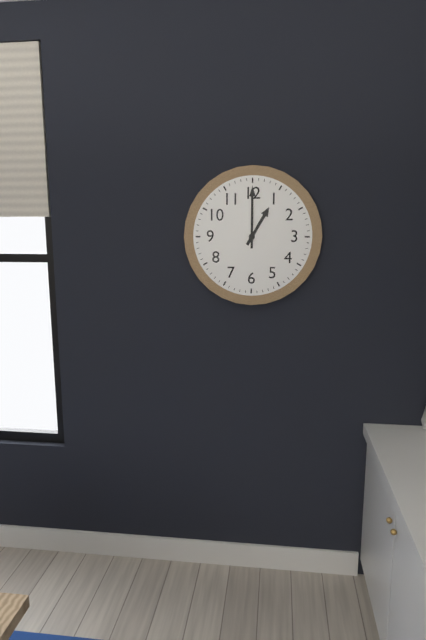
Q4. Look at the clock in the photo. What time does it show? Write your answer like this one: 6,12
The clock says 1,00
